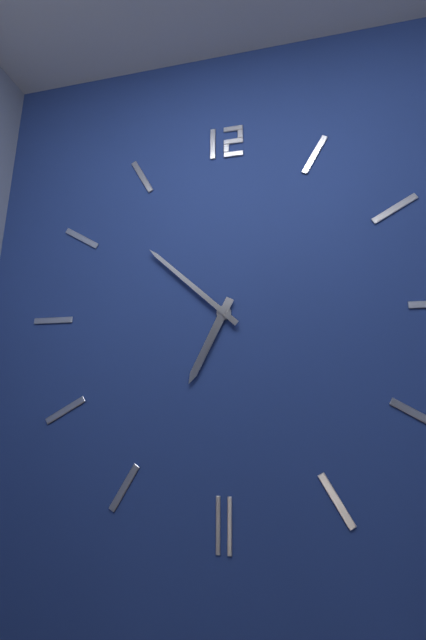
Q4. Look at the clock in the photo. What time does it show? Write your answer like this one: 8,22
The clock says 6,52
